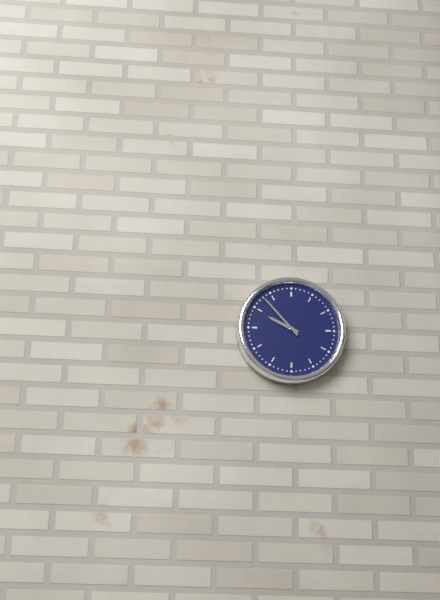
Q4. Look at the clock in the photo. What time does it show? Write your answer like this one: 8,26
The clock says 9,53
